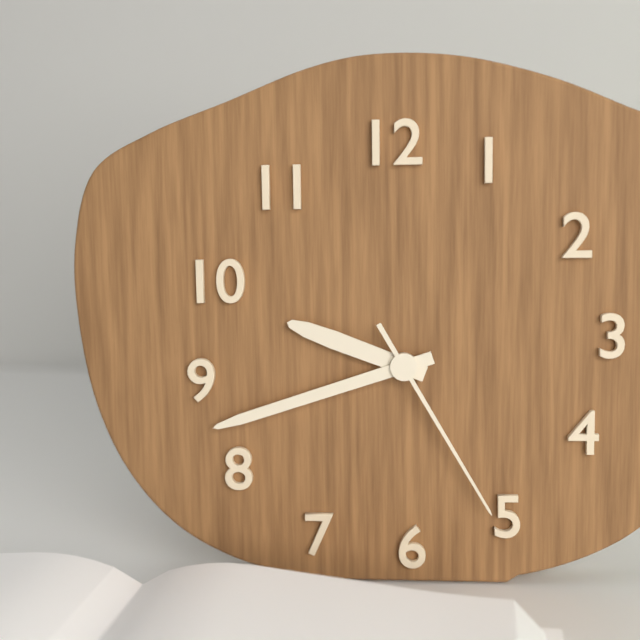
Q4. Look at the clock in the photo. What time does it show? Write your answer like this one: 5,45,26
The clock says 9,42,25
